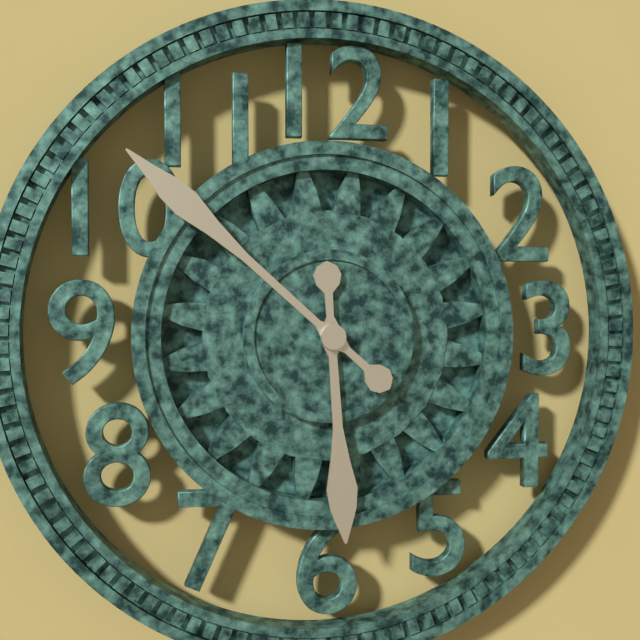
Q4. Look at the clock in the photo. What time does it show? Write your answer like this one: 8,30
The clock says 5,52
